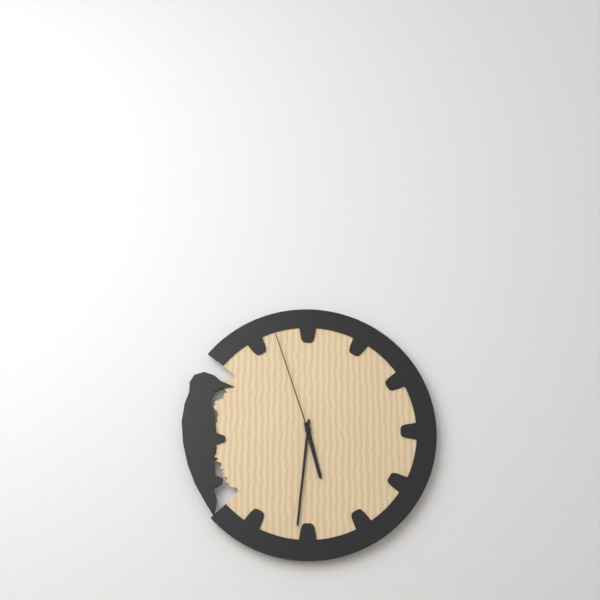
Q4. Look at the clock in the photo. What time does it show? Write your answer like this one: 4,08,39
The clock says 5,31,57
